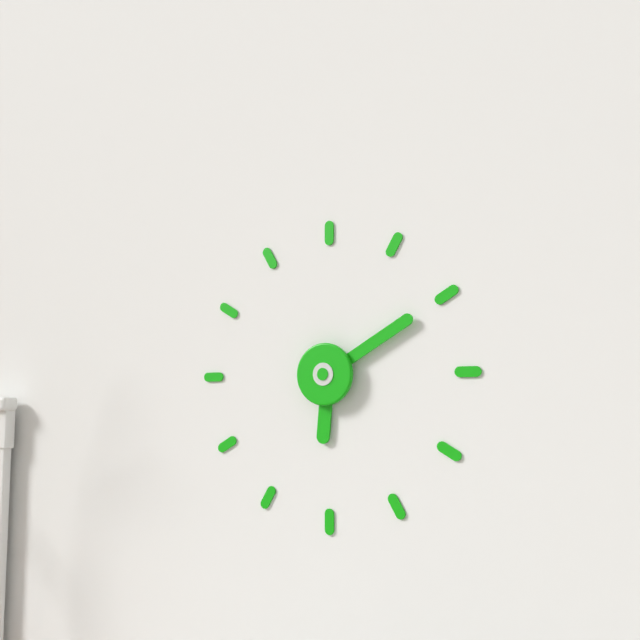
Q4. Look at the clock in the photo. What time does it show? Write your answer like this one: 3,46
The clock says 6,10
